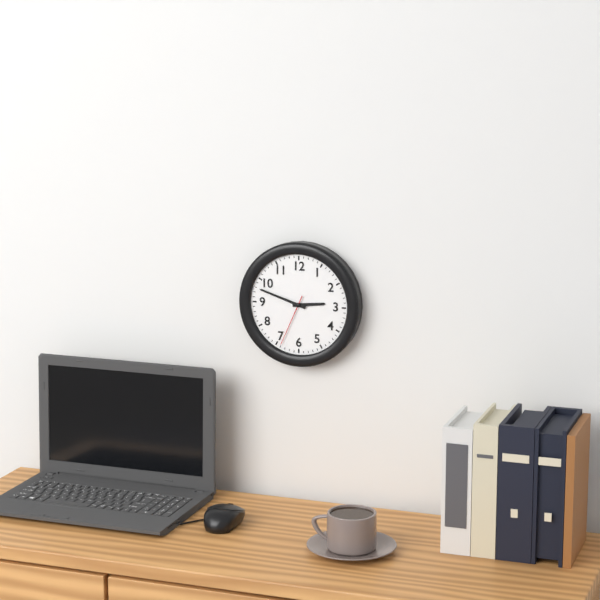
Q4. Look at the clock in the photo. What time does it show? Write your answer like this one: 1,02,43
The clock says 2,48,34
